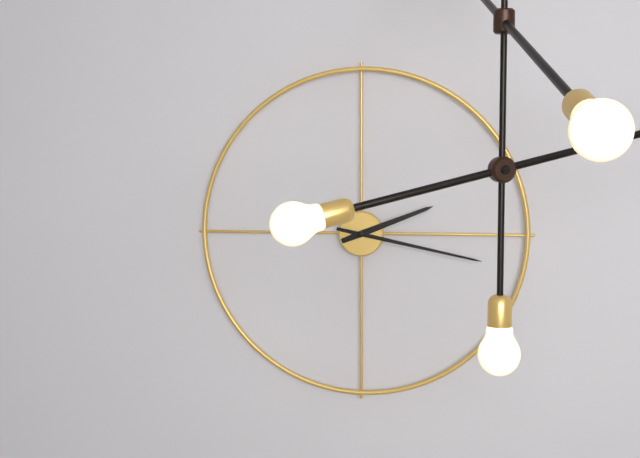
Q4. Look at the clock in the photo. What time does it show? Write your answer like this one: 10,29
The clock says 2,17
